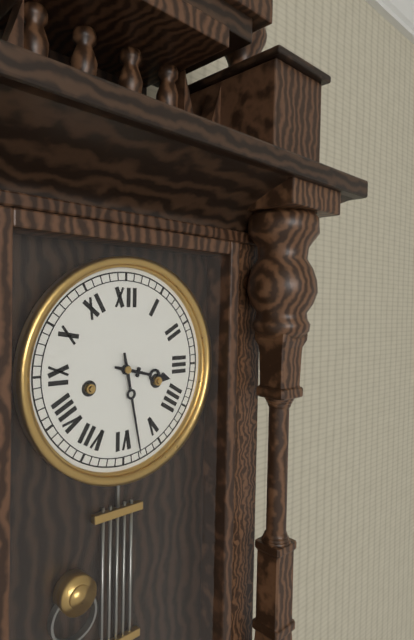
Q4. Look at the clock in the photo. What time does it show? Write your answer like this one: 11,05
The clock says 3,28
